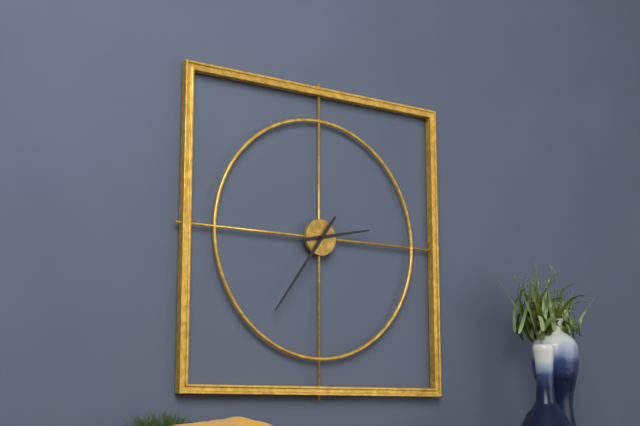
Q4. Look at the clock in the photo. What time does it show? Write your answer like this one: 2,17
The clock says 2,36
